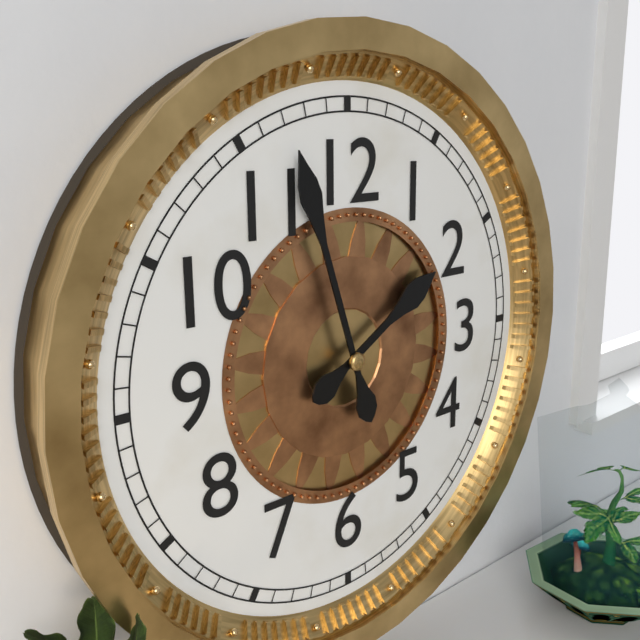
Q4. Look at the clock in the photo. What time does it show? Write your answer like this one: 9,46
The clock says 1,57
